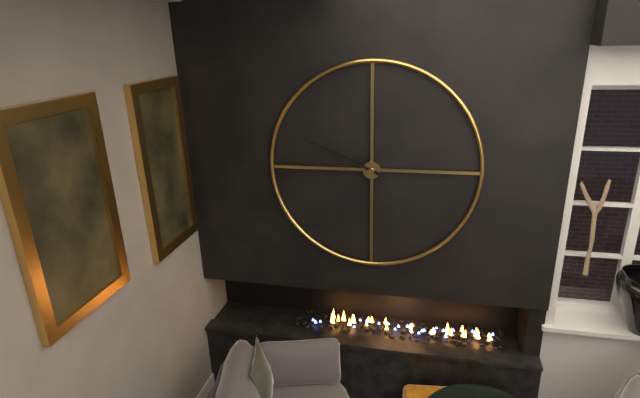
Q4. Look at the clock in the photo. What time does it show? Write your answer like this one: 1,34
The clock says 9,49
